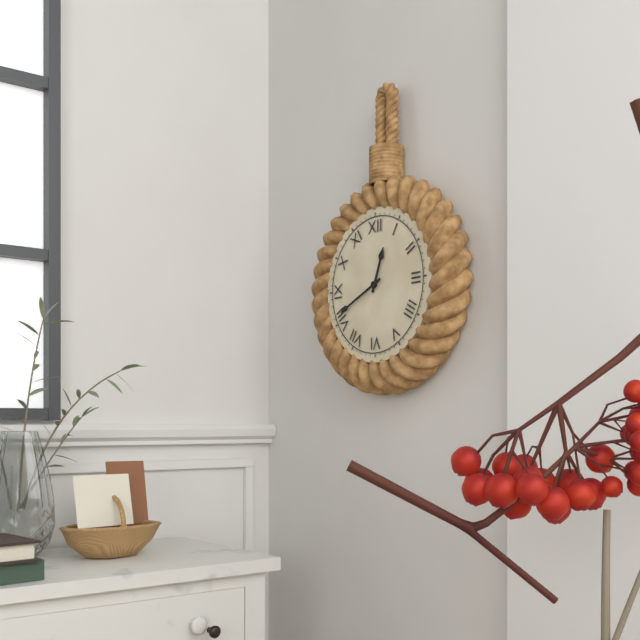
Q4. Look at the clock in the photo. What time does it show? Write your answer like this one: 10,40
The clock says 12,41
